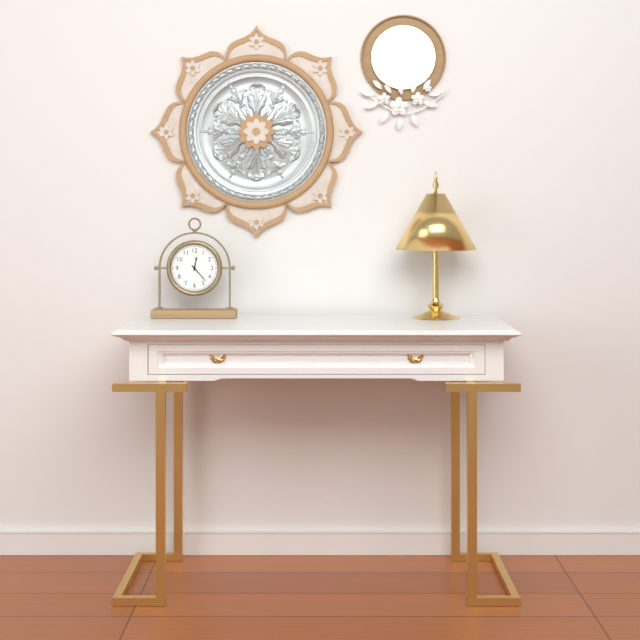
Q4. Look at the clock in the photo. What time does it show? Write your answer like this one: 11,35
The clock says 12,23
